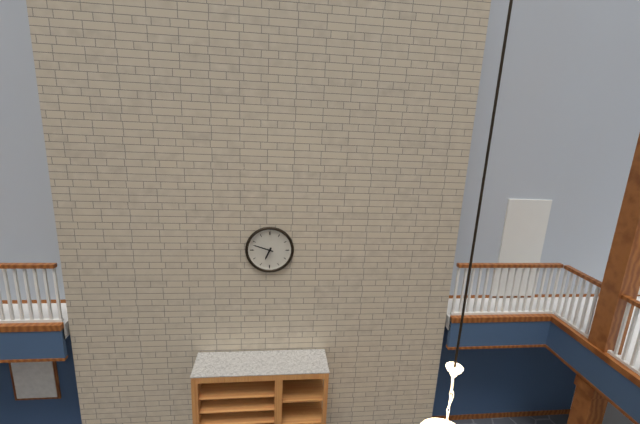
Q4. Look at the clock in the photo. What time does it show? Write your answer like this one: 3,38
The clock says 6,48
